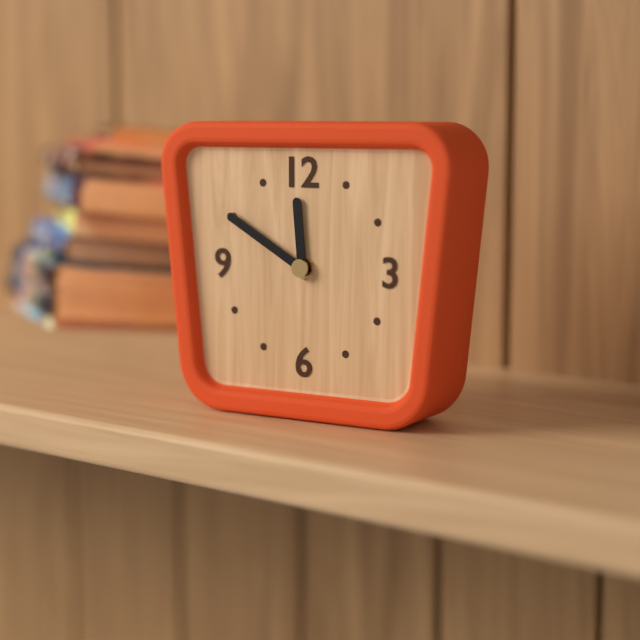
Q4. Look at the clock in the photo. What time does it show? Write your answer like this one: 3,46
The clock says 11,50
